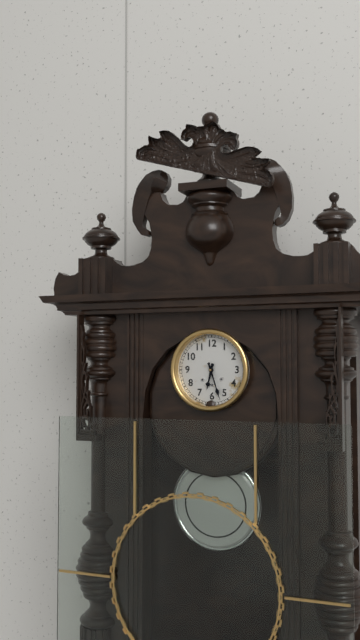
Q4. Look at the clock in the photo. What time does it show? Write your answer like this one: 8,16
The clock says 6,27
